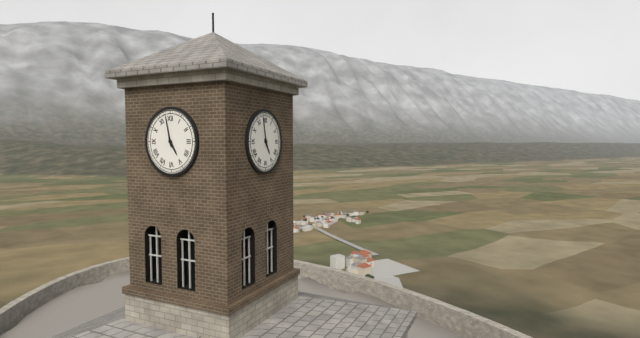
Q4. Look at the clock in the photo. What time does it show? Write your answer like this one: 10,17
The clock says 4,58
